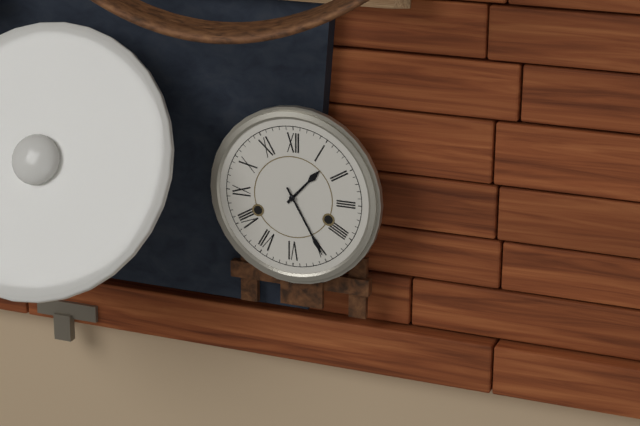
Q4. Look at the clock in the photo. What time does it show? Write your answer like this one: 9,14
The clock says 1,25
